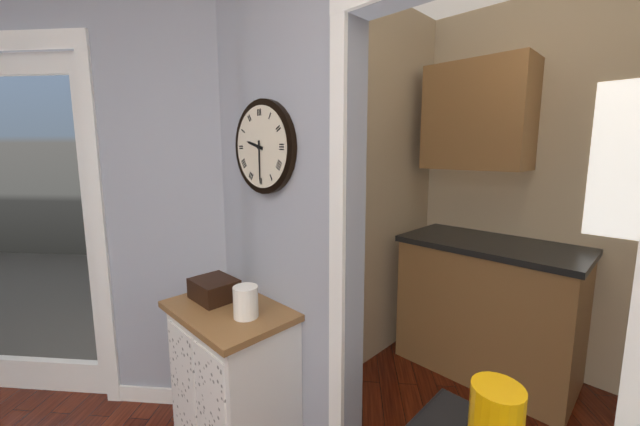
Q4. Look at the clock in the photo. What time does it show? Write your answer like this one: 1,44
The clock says 9,30
